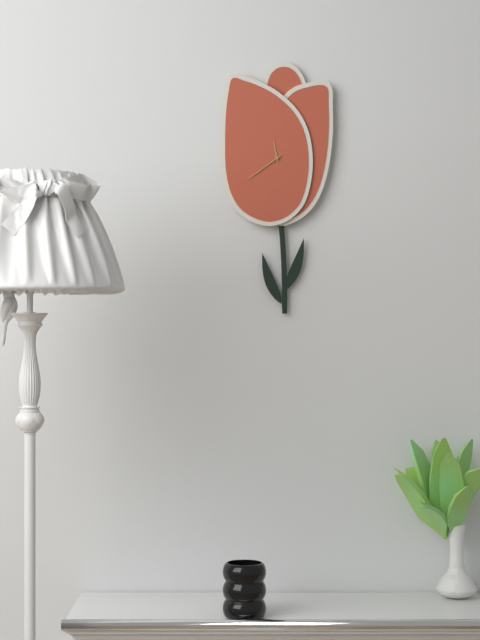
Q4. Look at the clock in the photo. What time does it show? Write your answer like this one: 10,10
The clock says 11,39
